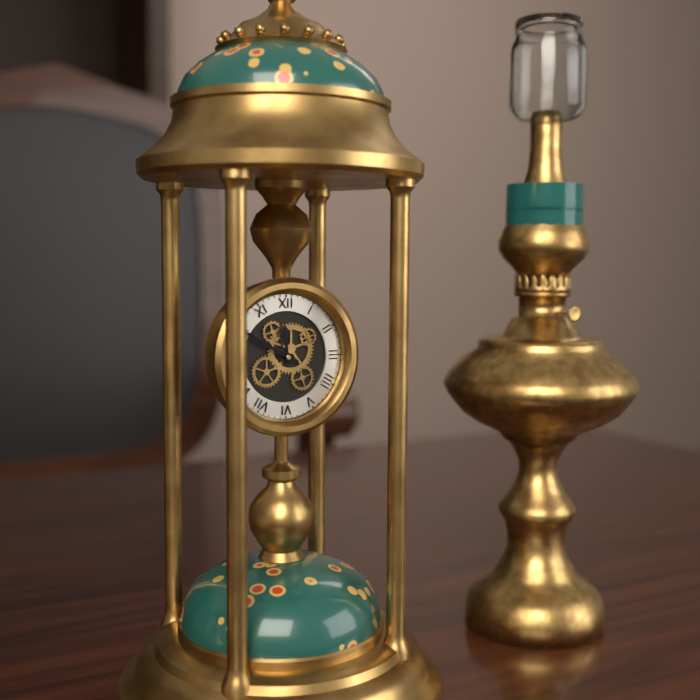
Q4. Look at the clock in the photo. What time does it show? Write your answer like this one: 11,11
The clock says 11,50
